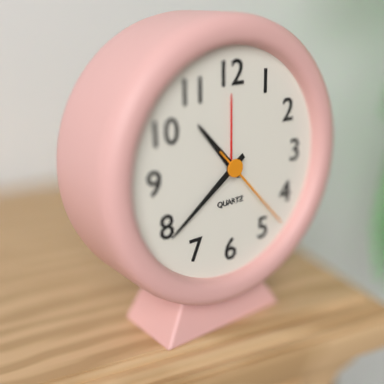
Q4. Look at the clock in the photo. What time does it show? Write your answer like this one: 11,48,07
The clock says 10,39,23
